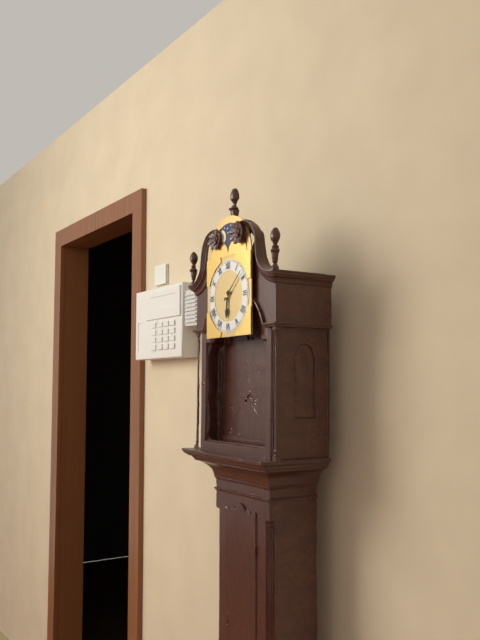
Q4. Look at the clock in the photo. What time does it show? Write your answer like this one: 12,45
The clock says 6,08
